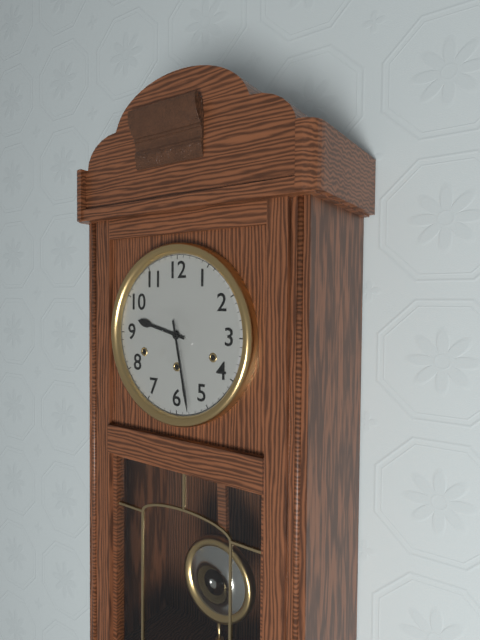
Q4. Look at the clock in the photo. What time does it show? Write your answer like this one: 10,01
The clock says 9,28
